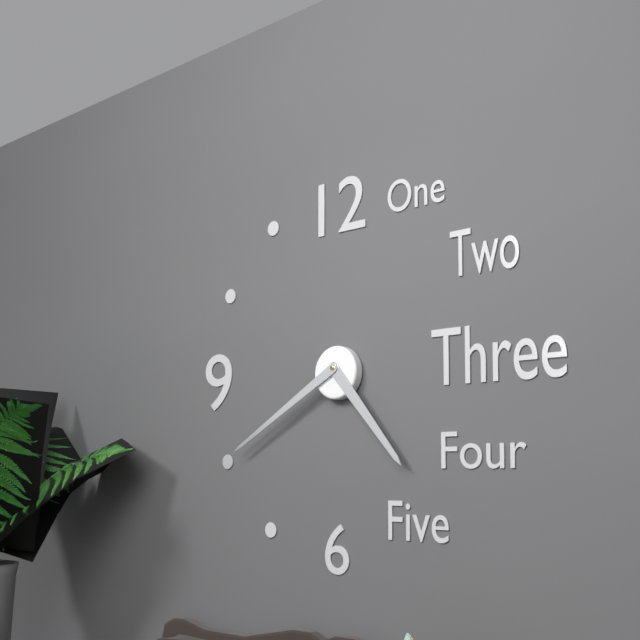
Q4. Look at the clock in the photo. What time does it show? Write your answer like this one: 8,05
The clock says 4,40
